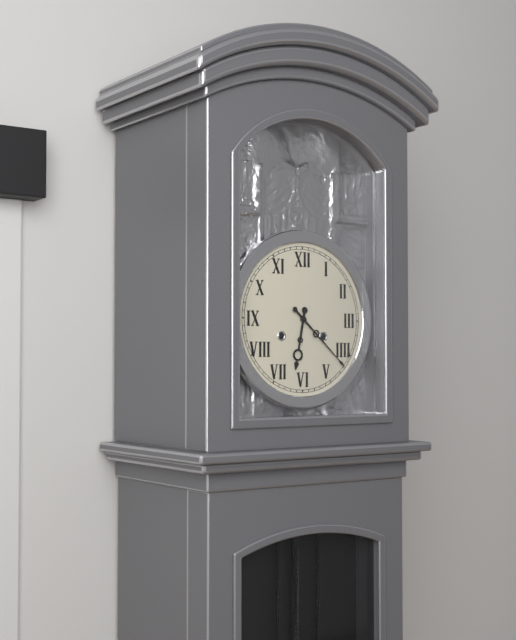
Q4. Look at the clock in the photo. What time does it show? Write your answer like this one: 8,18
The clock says 6,22
